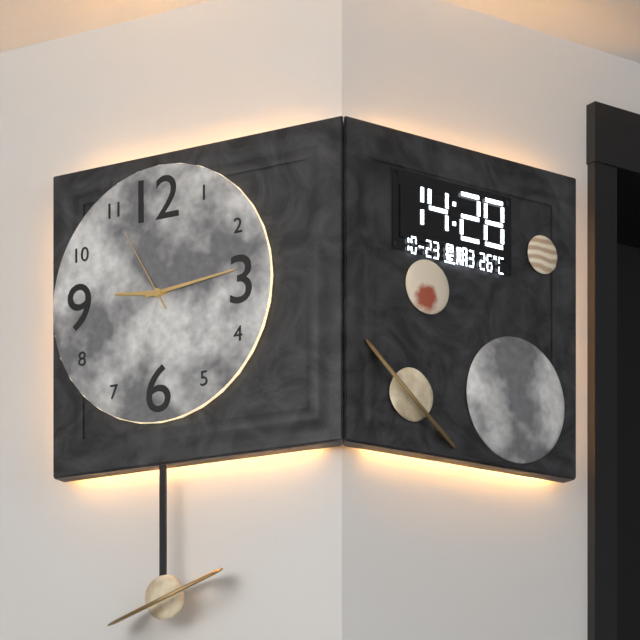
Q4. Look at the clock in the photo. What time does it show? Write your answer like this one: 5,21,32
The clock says 9,14,55
